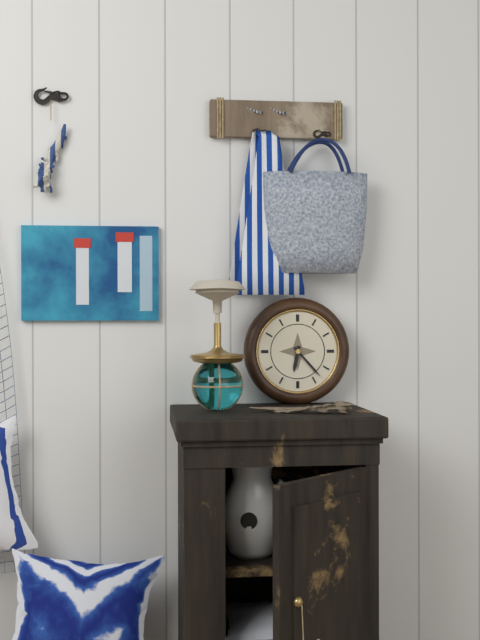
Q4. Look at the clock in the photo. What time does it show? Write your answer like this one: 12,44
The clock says 6,23
